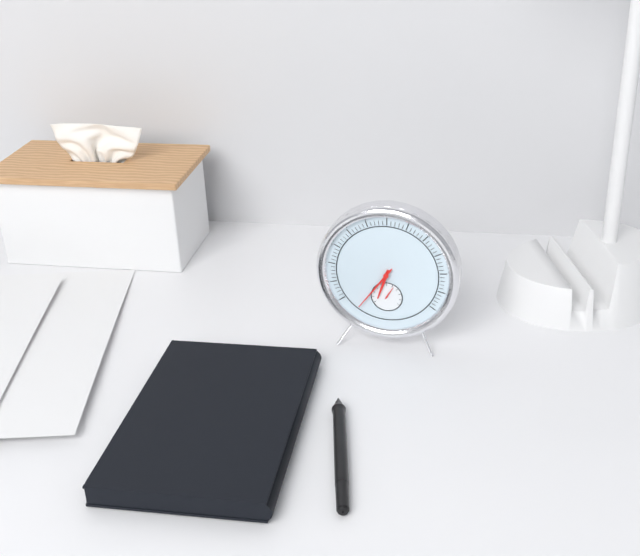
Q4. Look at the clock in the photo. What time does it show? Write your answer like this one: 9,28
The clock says 6,36
